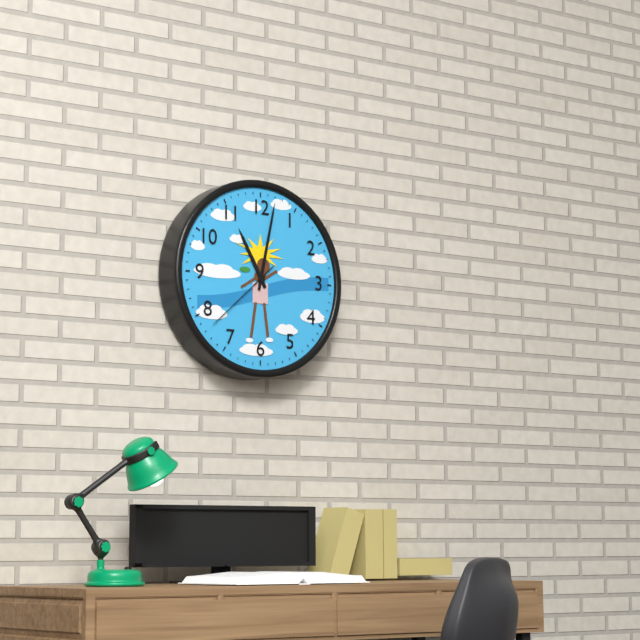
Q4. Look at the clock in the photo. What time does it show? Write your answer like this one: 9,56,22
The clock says 11,02,38
